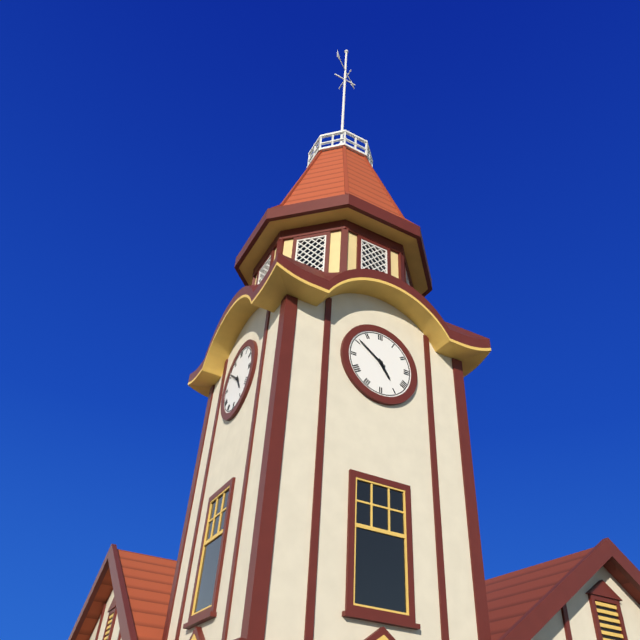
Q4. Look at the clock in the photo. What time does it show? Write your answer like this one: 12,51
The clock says 4,51
